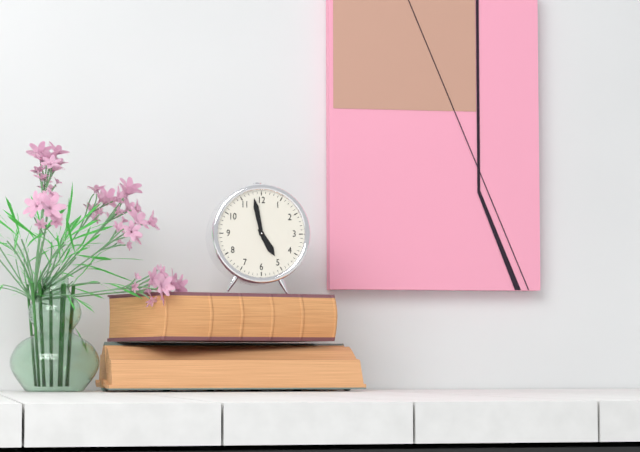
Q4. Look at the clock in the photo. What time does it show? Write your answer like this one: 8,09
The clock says 4,58
